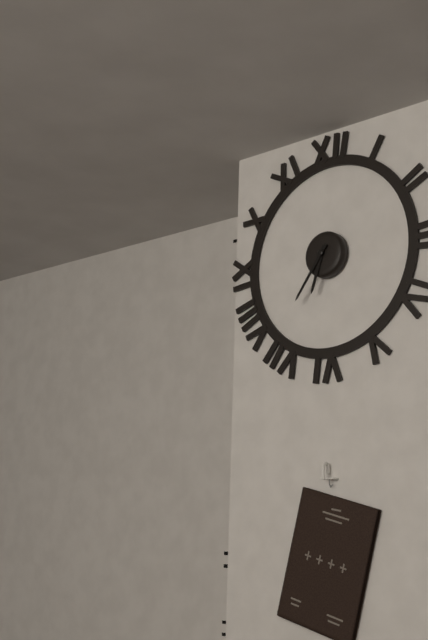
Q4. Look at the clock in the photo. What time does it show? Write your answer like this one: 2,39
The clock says 6,36
